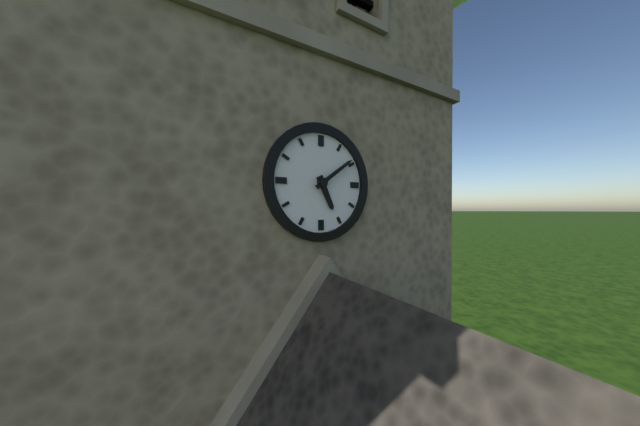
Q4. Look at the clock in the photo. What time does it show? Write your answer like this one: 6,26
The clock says 5,09
